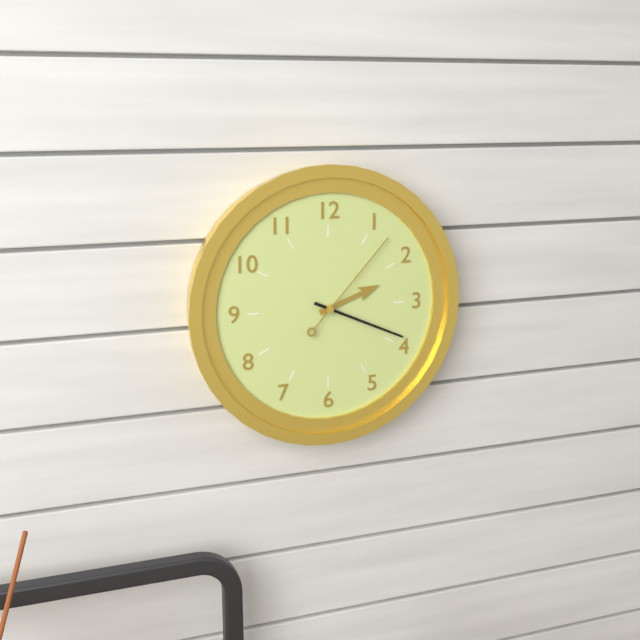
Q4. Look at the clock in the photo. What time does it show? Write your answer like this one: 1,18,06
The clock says 2,19,07
